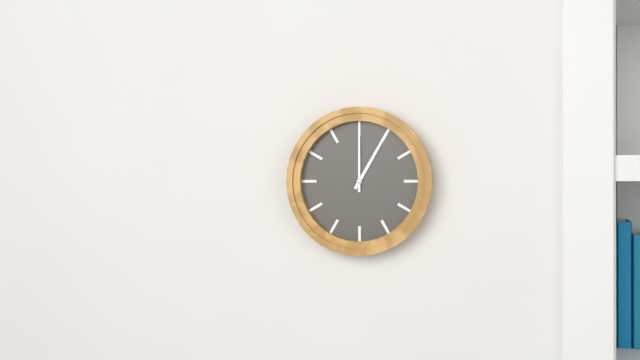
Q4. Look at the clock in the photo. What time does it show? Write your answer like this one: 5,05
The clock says 1,00
